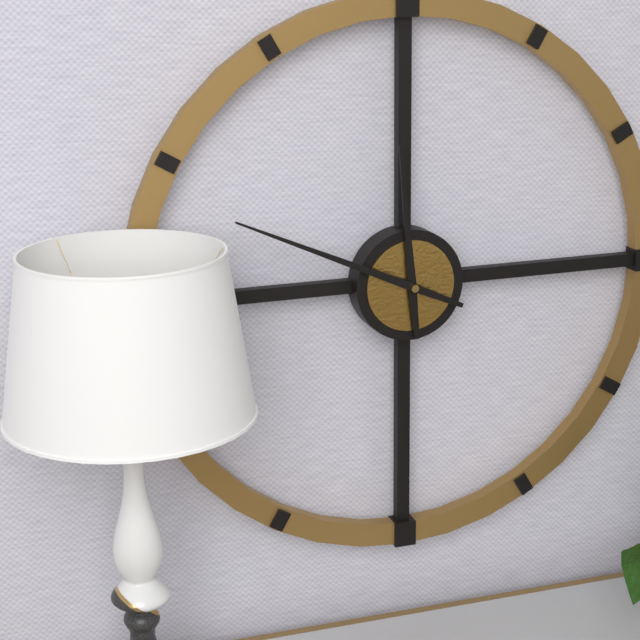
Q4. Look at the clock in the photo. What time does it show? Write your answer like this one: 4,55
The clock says 11,49
